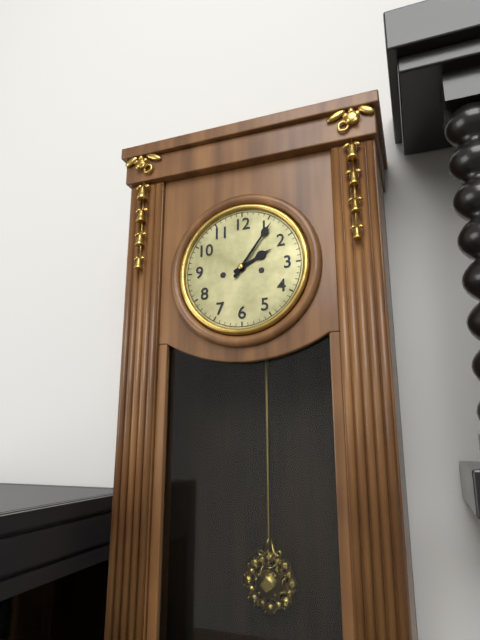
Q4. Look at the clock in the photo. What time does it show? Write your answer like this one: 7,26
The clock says 2,06
